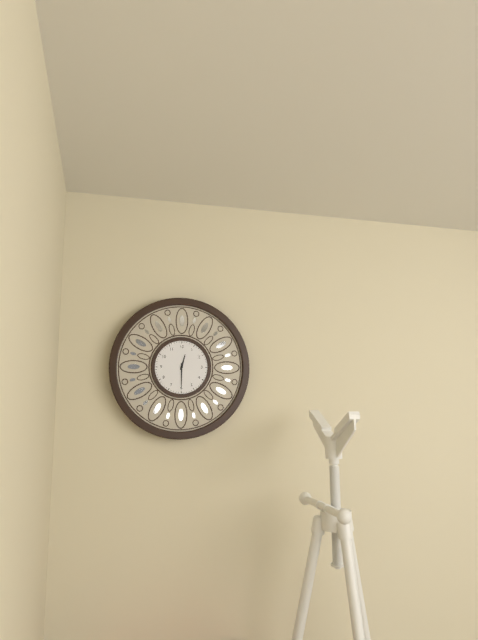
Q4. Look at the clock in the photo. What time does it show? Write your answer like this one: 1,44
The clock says 12,30
